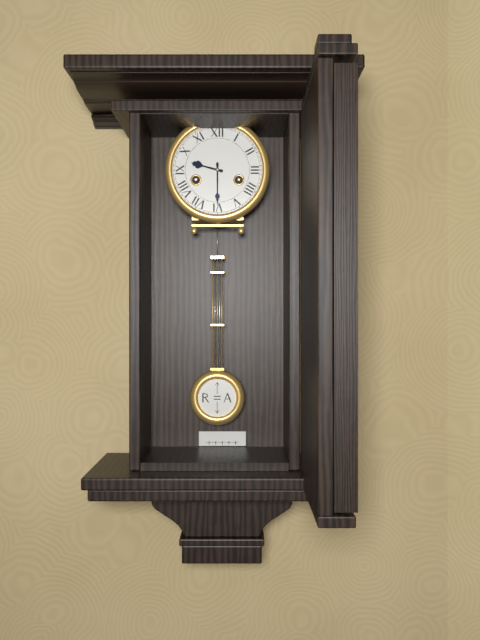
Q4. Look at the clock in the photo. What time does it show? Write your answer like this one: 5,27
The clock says 9,30
